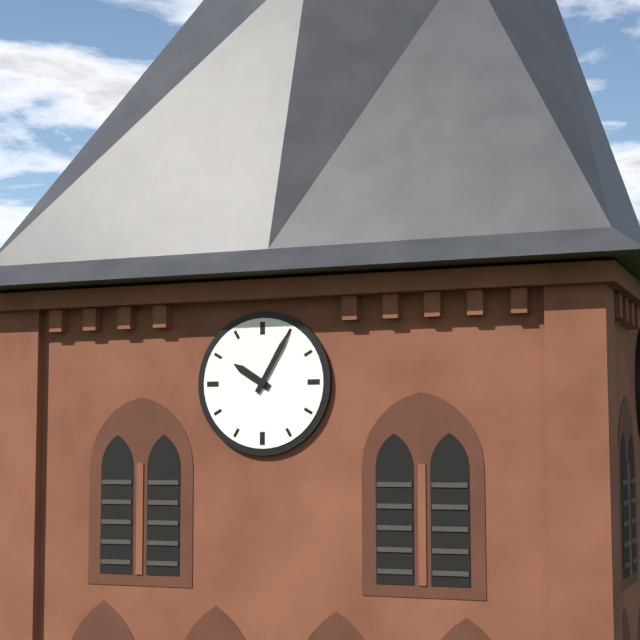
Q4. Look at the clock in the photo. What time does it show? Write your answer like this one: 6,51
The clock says 10,05
